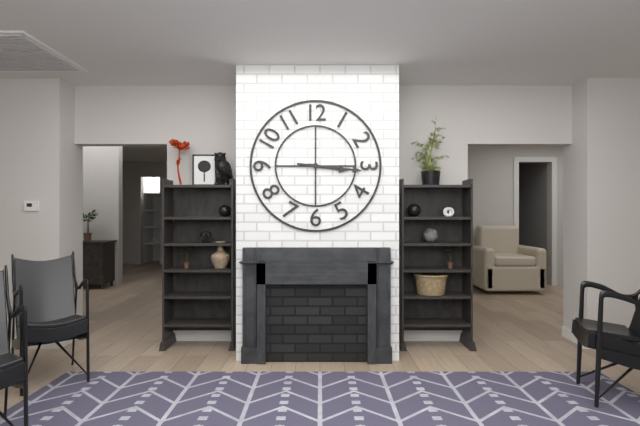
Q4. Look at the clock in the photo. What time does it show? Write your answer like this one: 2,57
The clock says 3,16
